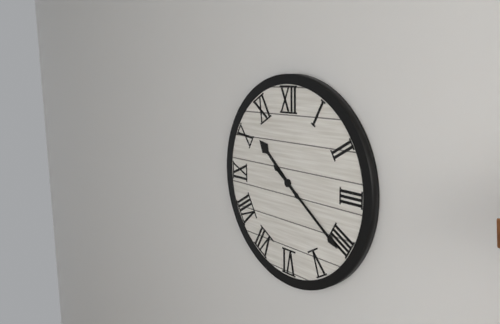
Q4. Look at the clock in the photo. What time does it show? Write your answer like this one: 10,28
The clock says 10,21
